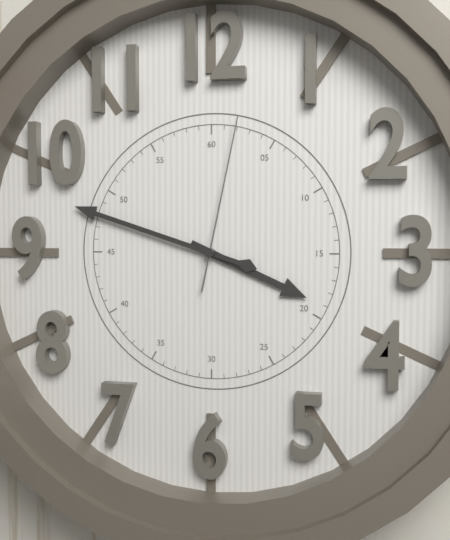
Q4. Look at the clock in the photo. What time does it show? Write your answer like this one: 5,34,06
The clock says 3,48,02
